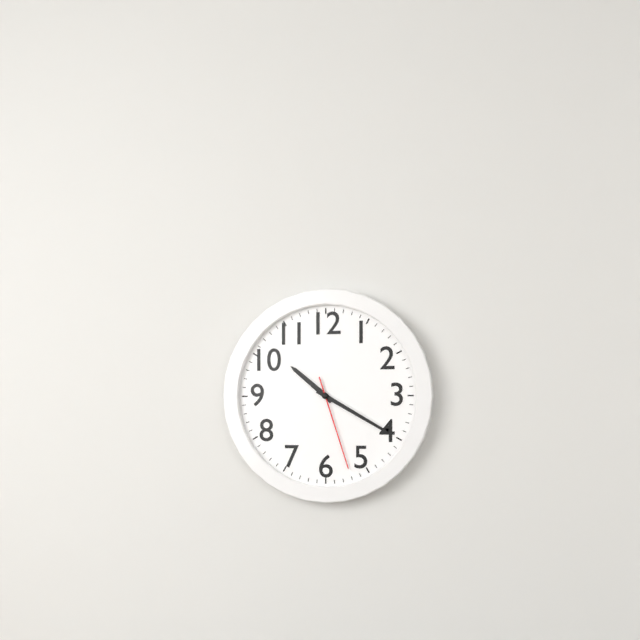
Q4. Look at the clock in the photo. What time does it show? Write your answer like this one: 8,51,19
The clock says 10,20,27
